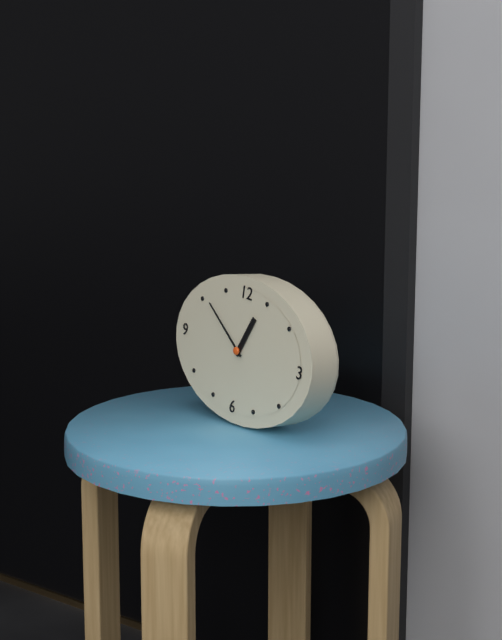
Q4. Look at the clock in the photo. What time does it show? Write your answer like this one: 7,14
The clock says 12,51
